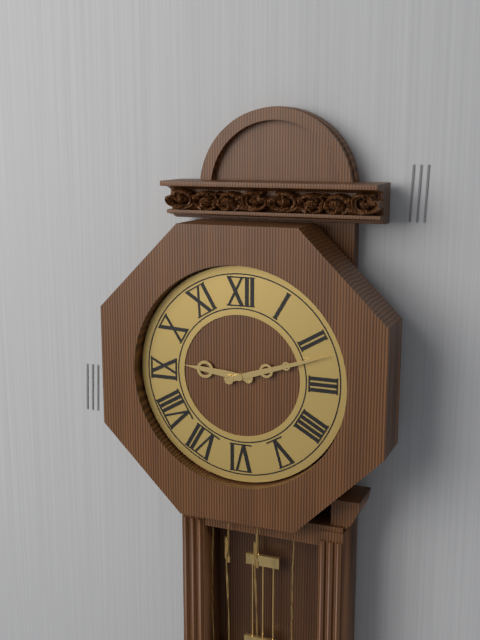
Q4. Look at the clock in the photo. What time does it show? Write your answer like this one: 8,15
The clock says 9,12
